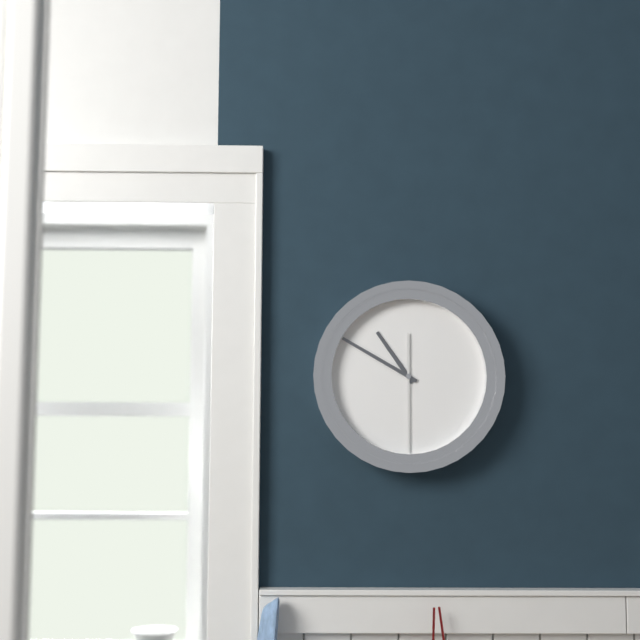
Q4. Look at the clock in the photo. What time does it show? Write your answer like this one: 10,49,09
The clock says 10,50,30
